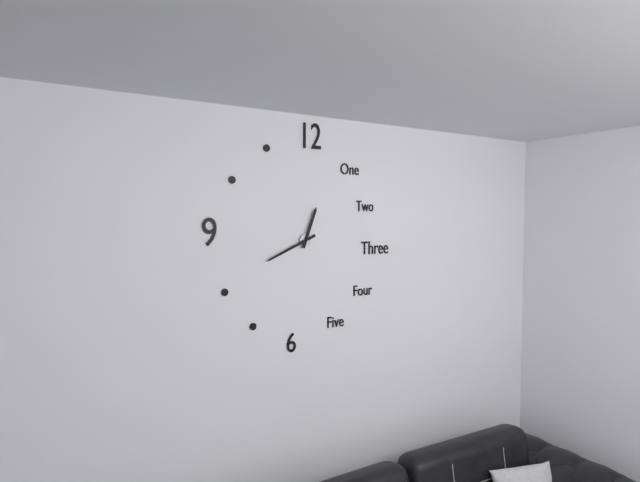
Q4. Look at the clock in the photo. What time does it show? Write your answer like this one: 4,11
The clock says 12,41
